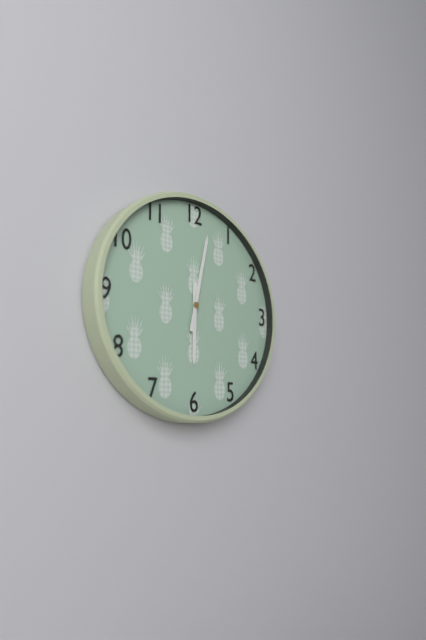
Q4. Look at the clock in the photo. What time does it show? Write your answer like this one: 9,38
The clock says 6,02
